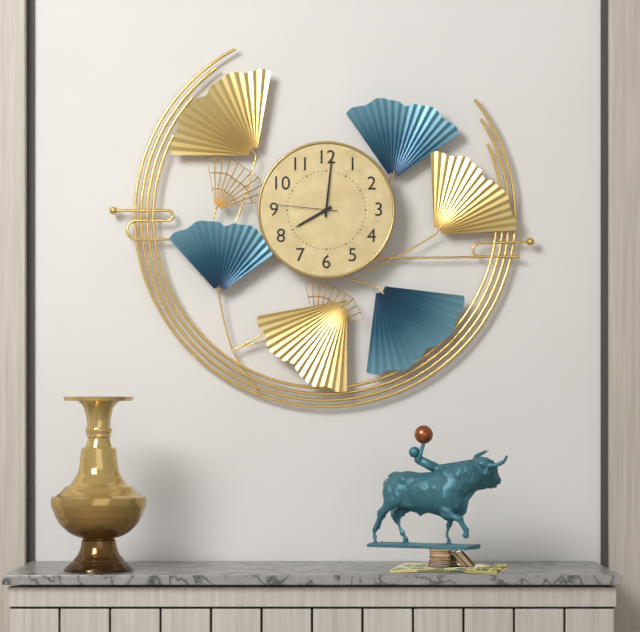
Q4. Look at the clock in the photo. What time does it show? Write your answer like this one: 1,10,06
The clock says 8,01,46
